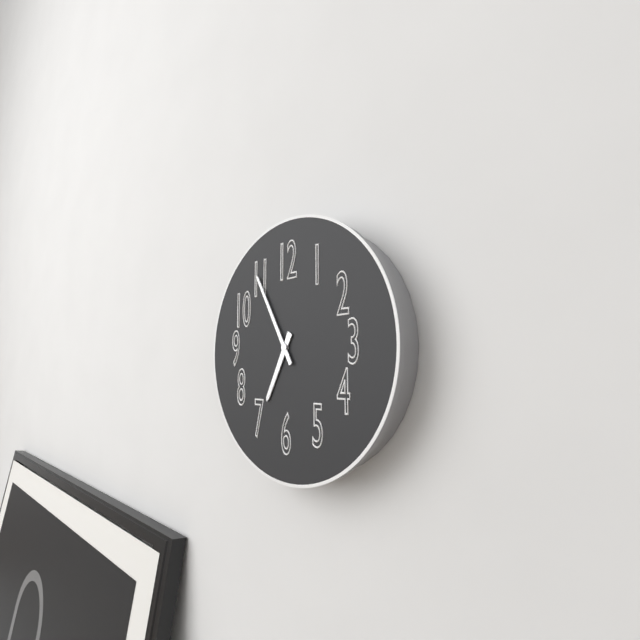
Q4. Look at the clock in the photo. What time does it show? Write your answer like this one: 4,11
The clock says 6,55
